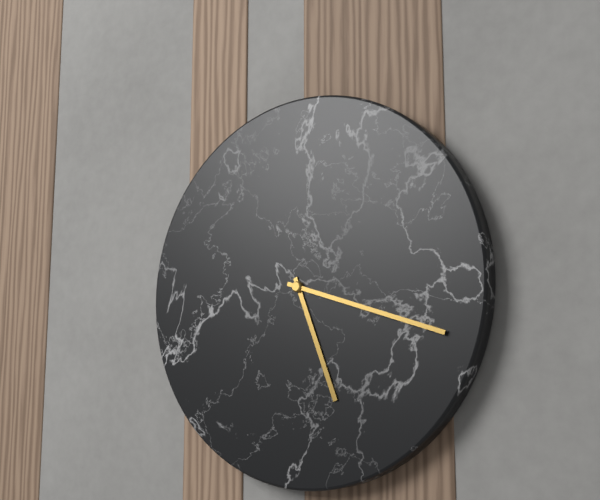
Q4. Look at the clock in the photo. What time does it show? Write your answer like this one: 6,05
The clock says 5,18
